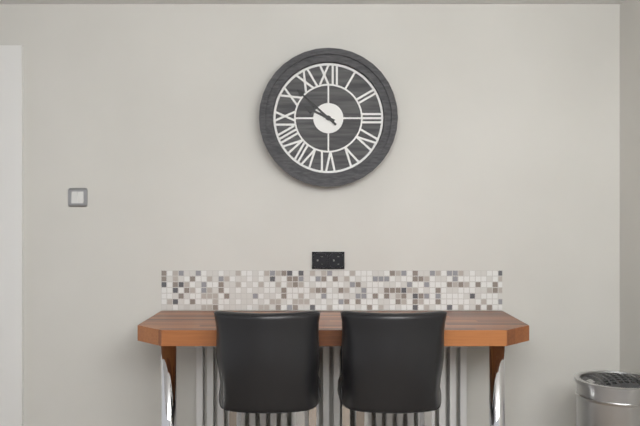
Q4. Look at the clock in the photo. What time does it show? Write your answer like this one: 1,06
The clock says 9,52
